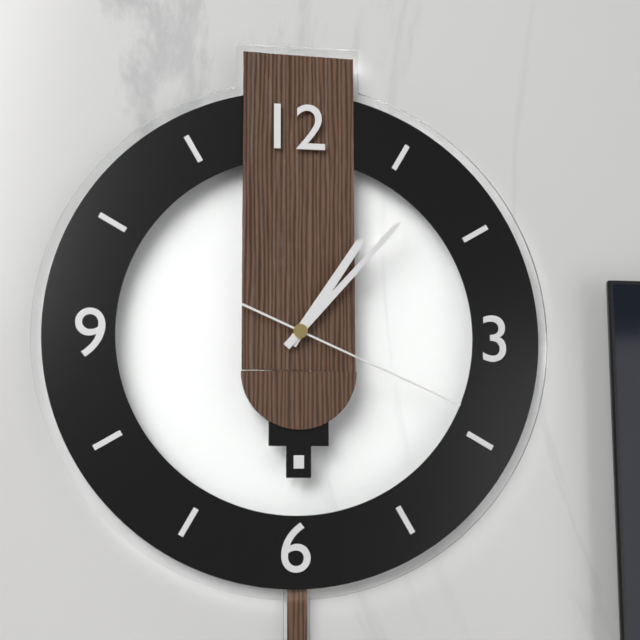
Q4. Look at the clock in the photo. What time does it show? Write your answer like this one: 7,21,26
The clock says 1,07,19
